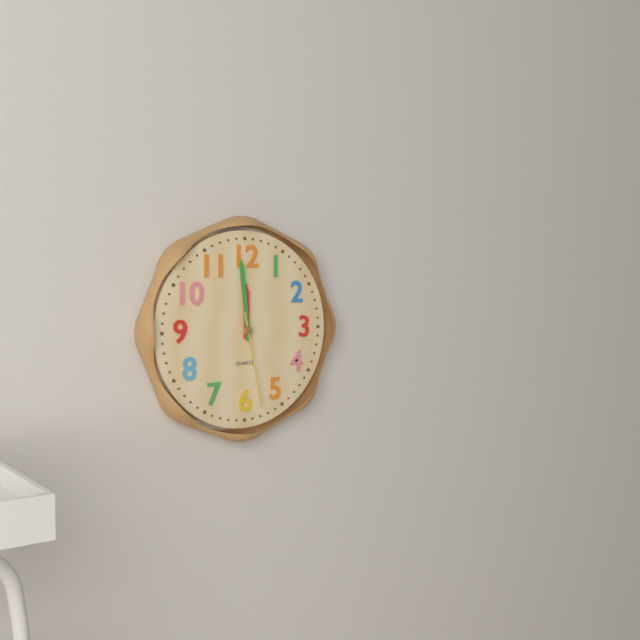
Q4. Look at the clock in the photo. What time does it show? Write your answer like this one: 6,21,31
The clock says 11,59,28
